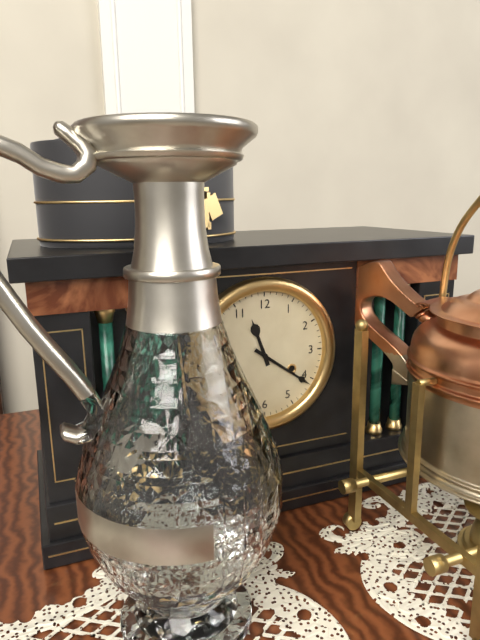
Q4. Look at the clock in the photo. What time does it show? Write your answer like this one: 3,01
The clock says 11,21
